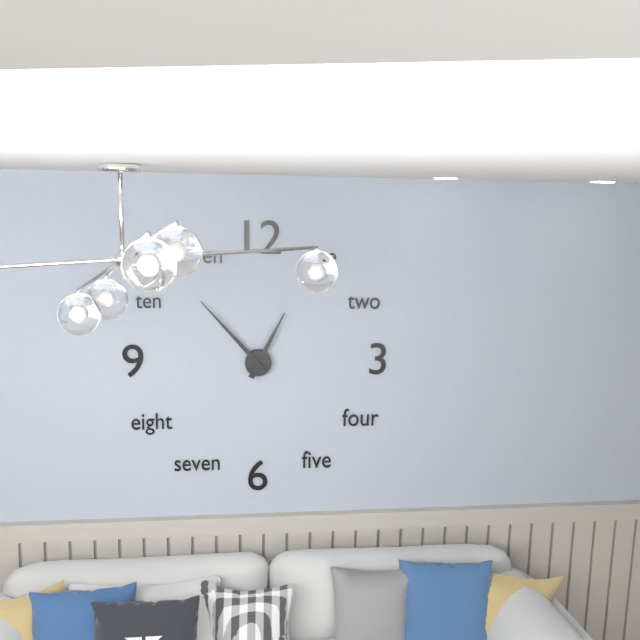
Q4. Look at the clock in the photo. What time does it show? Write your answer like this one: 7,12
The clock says 12,53
